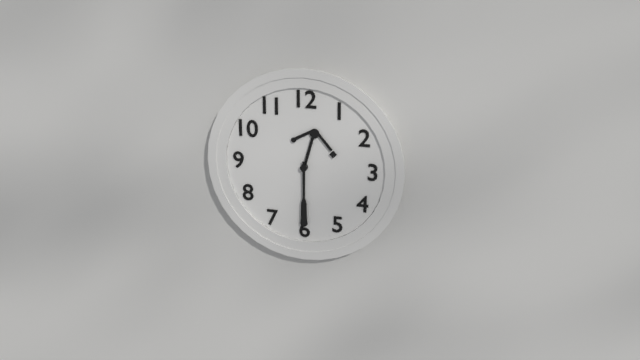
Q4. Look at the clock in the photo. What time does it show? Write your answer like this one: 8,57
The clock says 12,30
